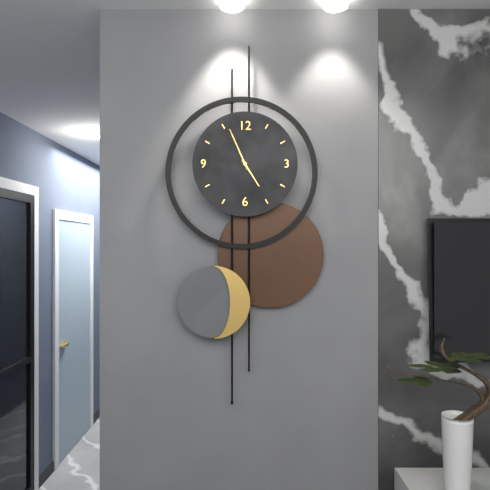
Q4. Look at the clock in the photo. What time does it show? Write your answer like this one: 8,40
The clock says 4,56
